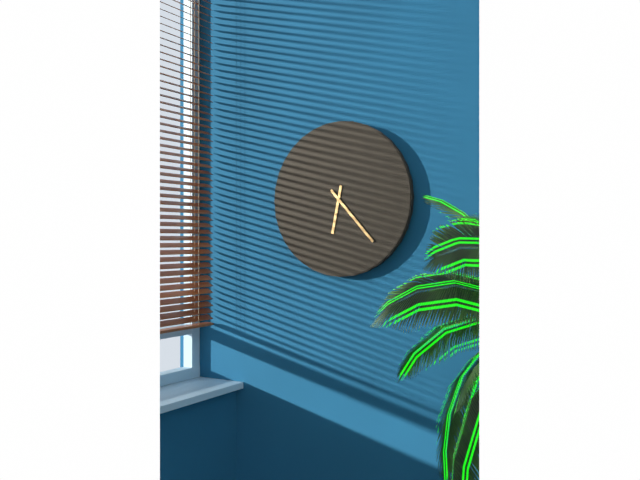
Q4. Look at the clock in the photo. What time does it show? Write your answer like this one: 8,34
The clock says 6,23
